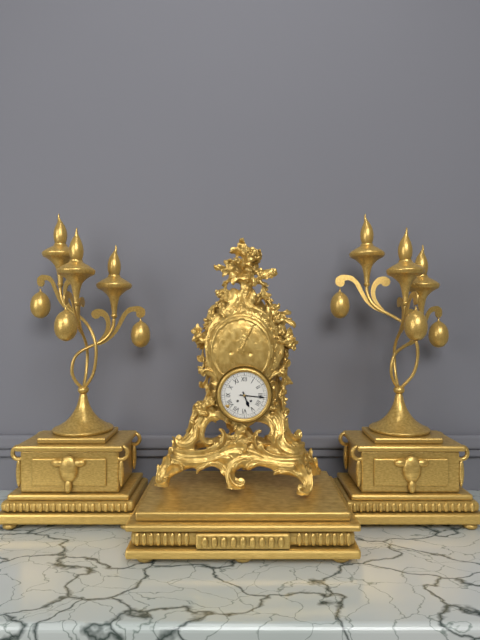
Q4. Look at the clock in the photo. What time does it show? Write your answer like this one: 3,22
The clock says 5,16
